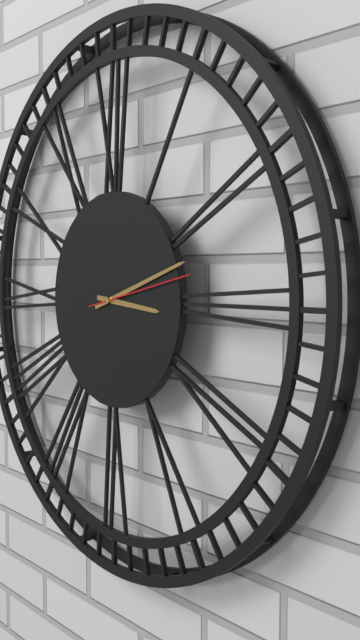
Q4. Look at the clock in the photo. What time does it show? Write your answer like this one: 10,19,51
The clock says 3,12,13
